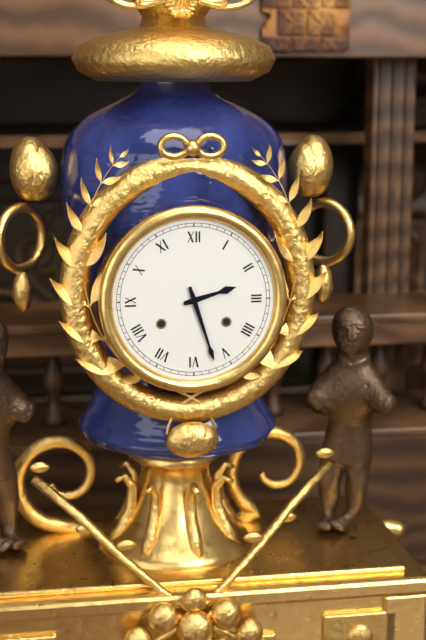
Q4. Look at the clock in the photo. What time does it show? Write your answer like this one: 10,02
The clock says 2,27
